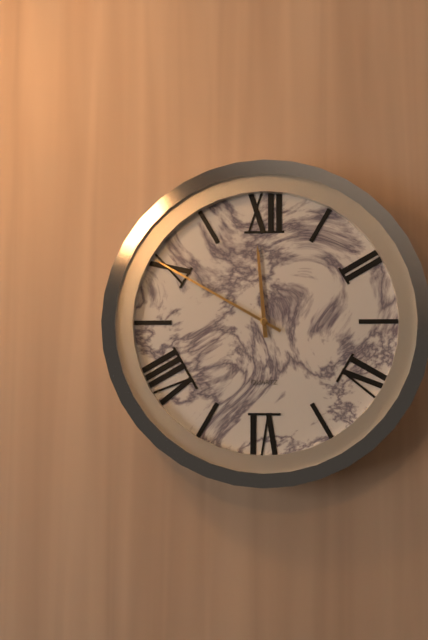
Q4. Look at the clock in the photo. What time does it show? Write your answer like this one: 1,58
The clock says 11,50
